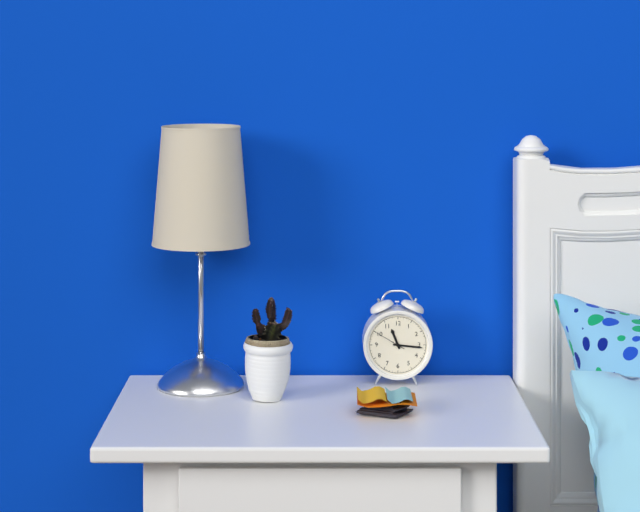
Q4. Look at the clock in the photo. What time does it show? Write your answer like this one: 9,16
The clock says 11,16
